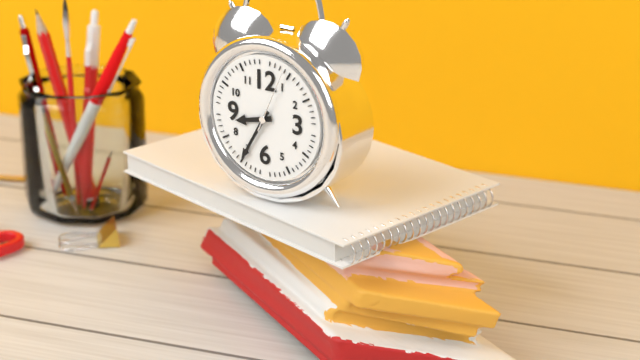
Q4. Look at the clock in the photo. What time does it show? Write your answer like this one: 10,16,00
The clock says 8,35,04
